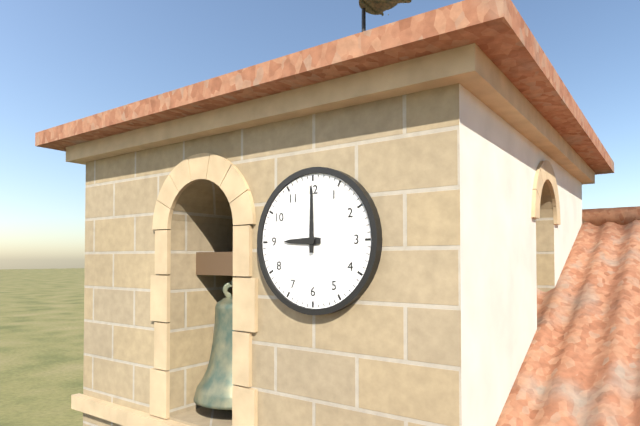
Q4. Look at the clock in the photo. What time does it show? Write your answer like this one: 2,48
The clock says 9,00
